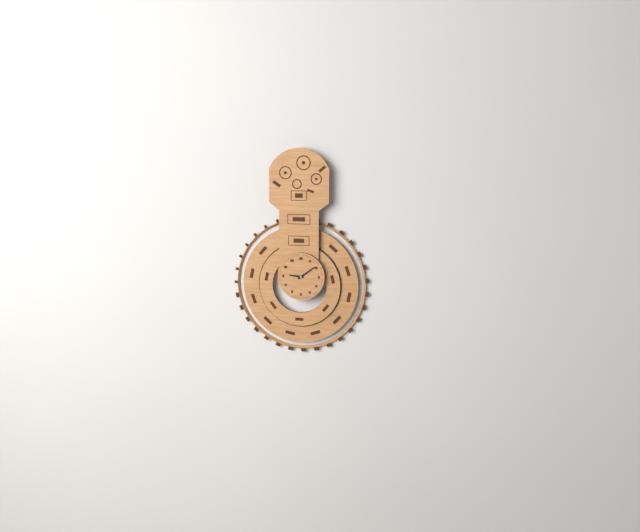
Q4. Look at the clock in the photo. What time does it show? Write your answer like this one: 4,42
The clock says 9,09
